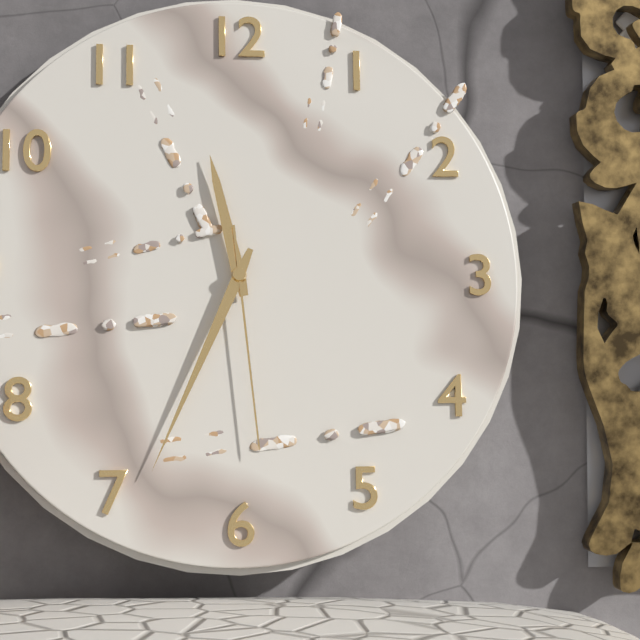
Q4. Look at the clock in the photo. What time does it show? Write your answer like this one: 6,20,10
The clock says 11,34,29
